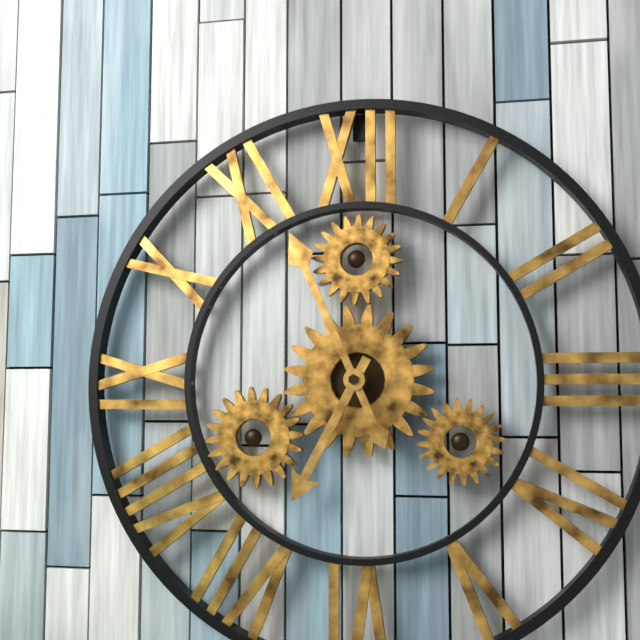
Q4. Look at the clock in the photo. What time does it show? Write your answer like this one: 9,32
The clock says 6,56
